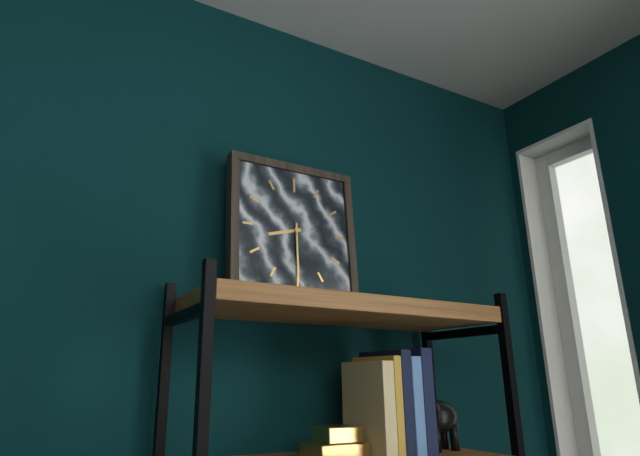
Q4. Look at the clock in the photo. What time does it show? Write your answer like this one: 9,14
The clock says 8,30
